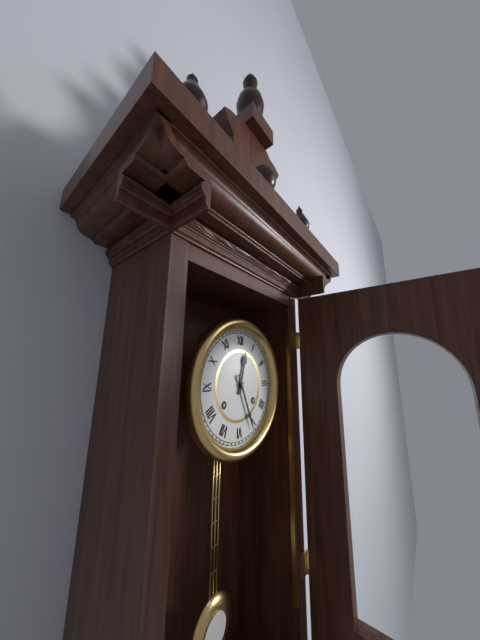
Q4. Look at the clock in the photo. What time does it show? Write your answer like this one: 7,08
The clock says 12,26
